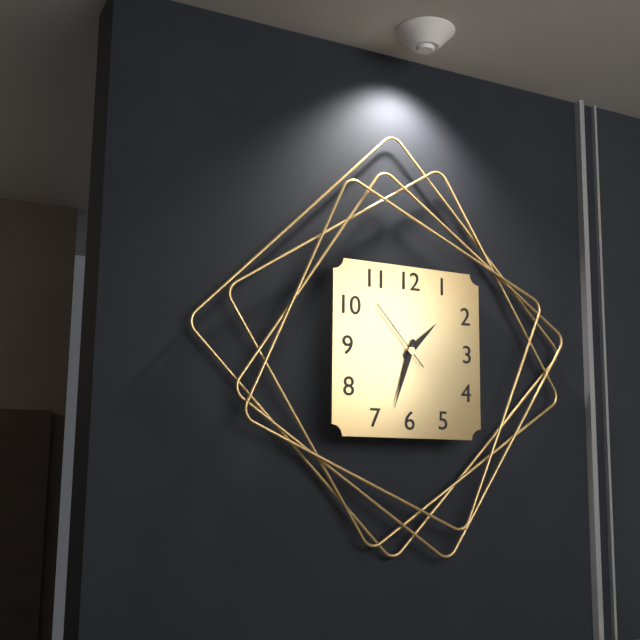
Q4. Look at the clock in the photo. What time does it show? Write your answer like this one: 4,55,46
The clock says 1,33,53
